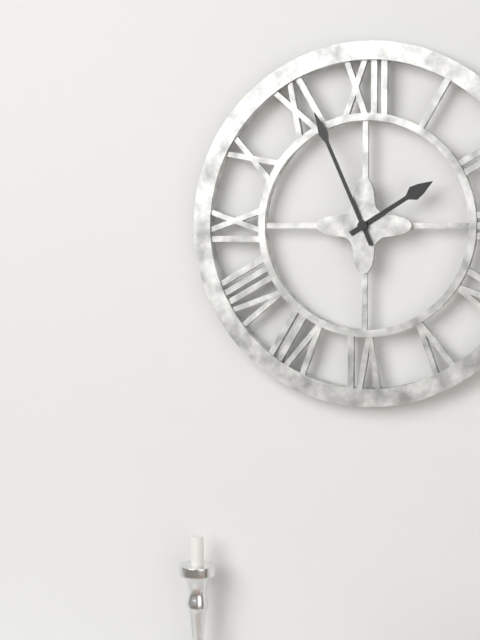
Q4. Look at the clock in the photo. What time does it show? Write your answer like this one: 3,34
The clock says 1,56
